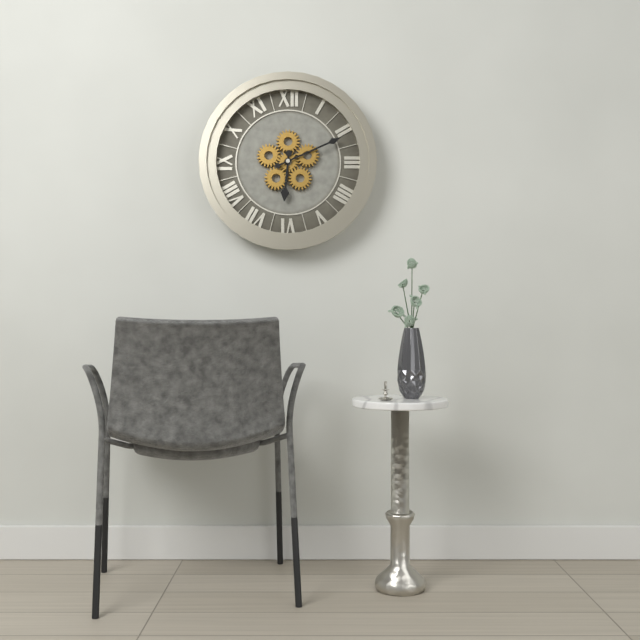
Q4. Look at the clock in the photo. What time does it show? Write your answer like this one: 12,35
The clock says 6,11
